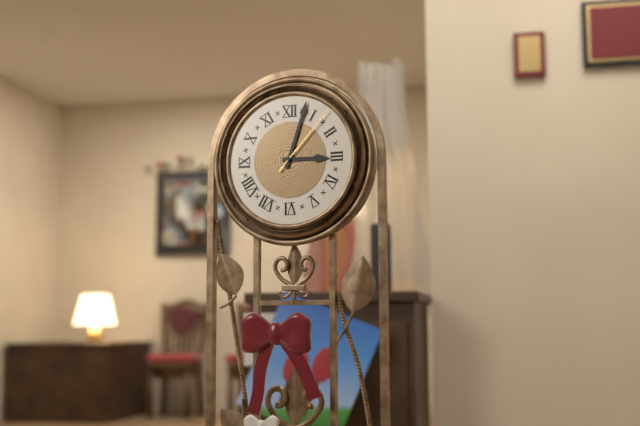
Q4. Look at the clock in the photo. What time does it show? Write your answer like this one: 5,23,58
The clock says 3,03,07
